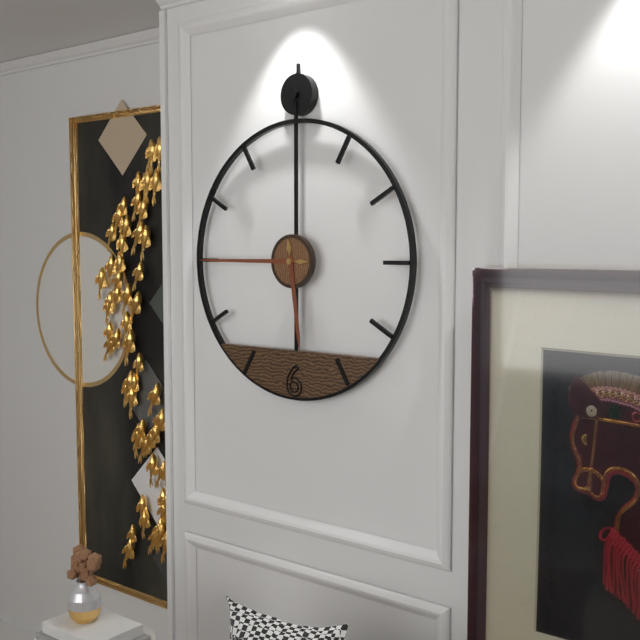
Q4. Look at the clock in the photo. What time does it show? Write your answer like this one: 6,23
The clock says 5,45
